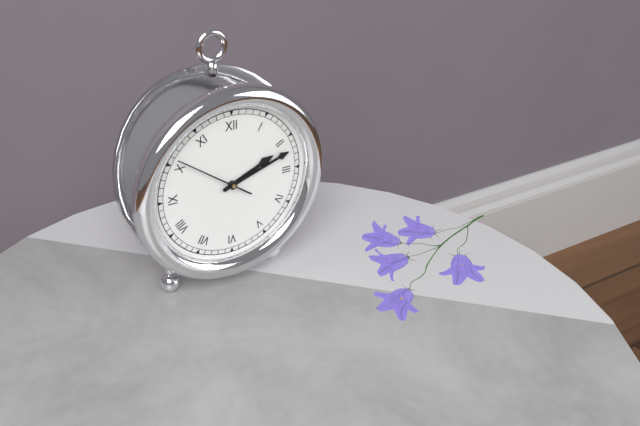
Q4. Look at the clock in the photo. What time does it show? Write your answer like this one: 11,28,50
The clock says 2,12,51
